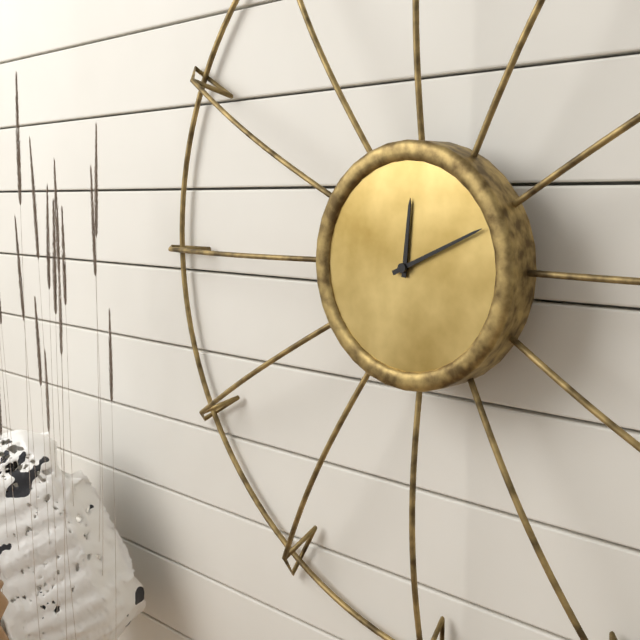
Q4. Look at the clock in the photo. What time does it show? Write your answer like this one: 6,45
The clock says 12,11
